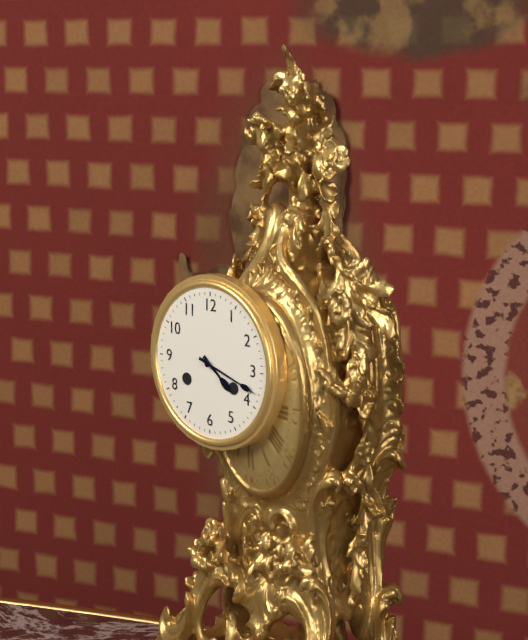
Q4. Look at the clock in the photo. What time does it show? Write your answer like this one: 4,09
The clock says 4,18
